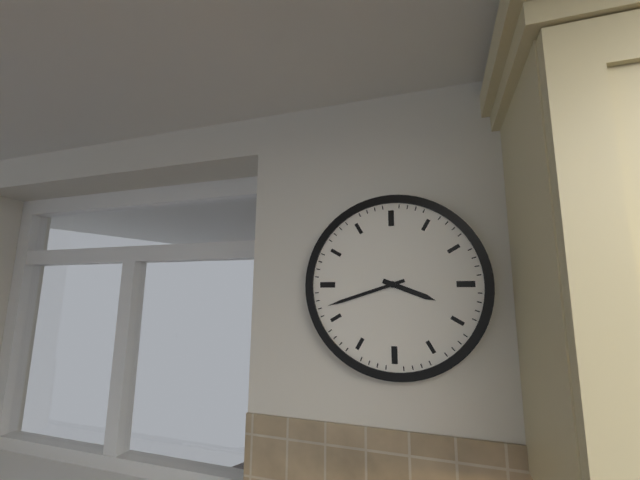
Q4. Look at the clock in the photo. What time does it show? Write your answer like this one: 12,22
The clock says 3,42
